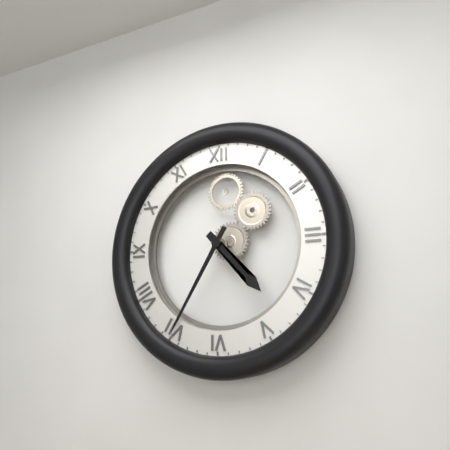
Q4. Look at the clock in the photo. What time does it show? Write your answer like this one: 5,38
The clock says 4,35
